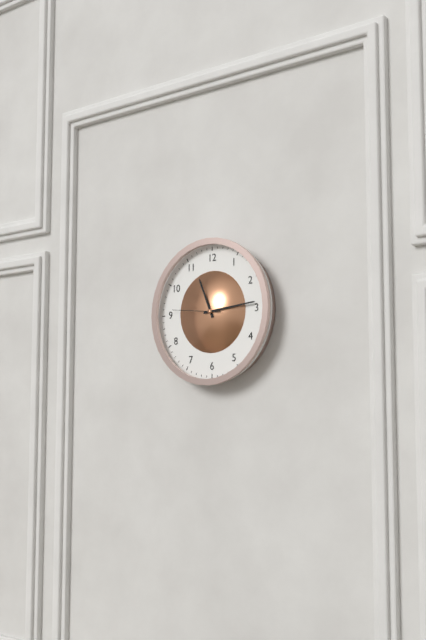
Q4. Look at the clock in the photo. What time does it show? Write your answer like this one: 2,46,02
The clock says 11,14,46
